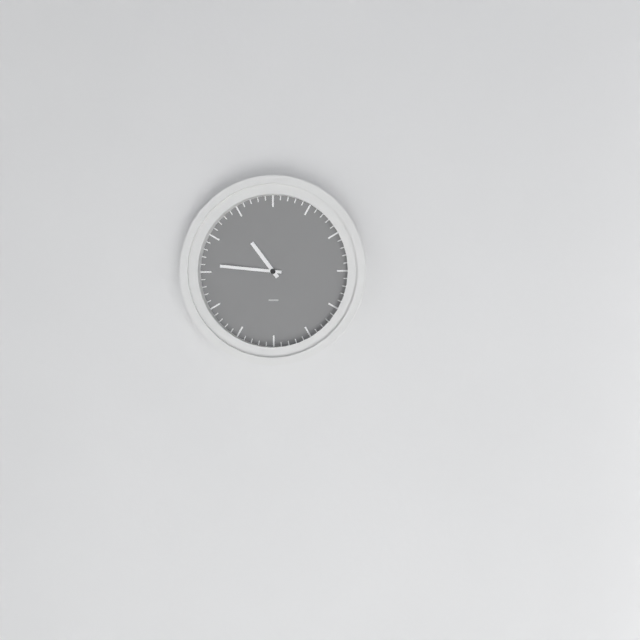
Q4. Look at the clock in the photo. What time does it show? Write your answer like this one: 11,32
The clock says 10,46
